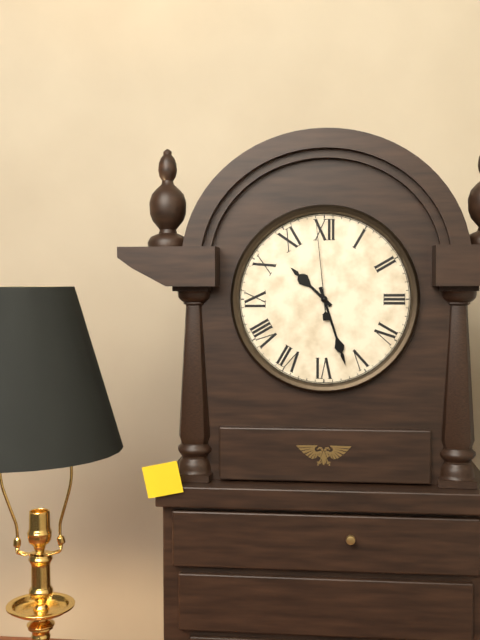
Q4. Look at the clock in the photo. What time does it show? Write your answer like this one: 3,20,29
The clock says 10,27,59
